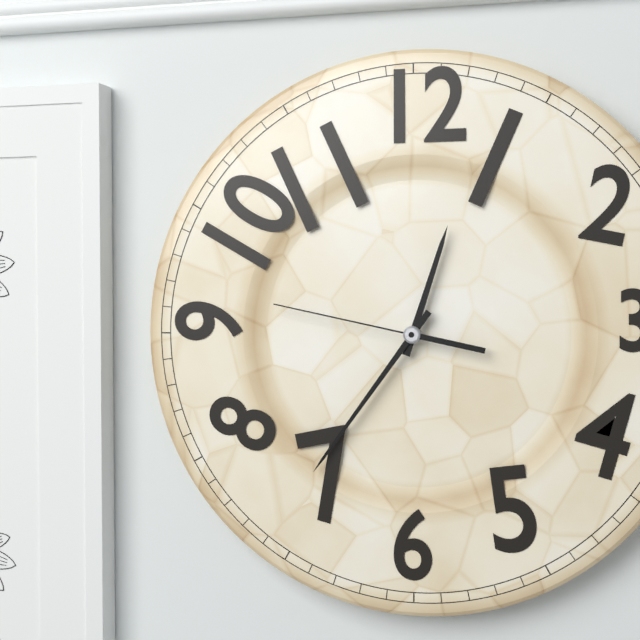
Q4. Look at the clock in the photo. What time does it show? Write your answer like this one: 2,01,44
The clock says 12,36,47
